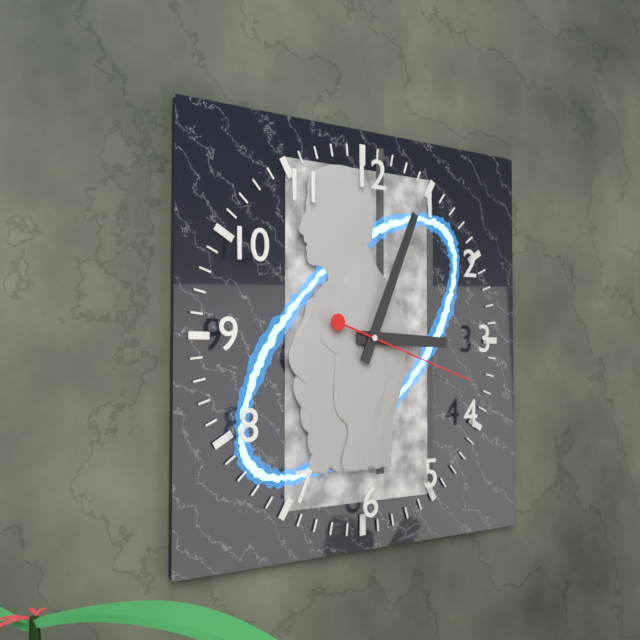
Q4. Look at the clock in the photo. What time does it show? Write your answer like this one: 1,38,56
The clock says 3,04,18
